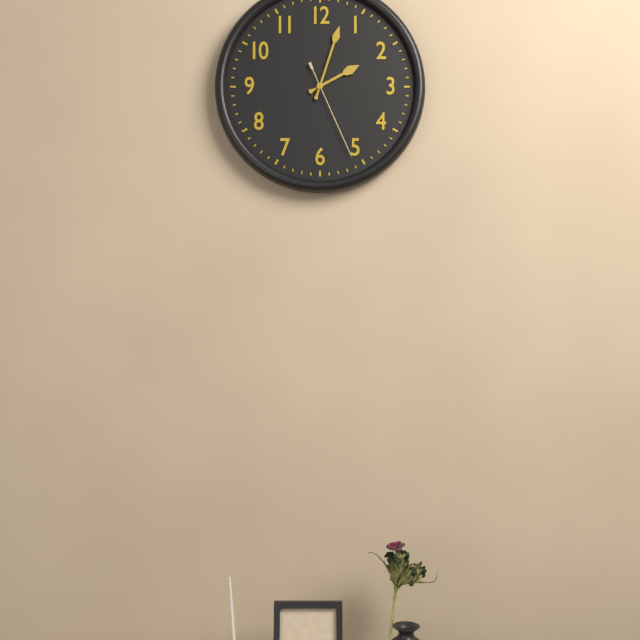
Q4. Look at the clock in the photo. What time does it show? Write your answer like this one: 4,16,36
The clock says 2,03,26
